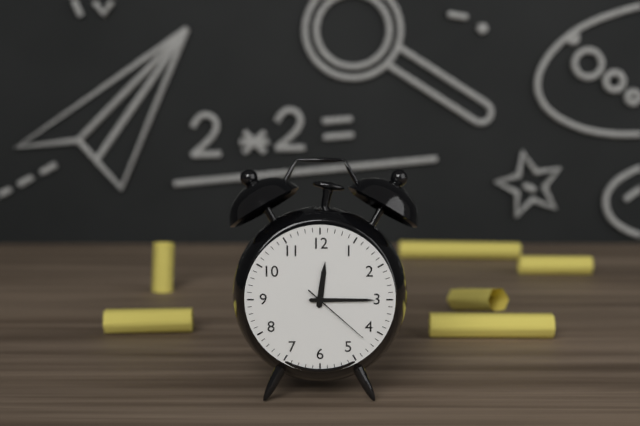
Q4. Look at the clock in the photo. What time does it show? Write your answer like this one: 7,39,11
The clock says 12,15,22
